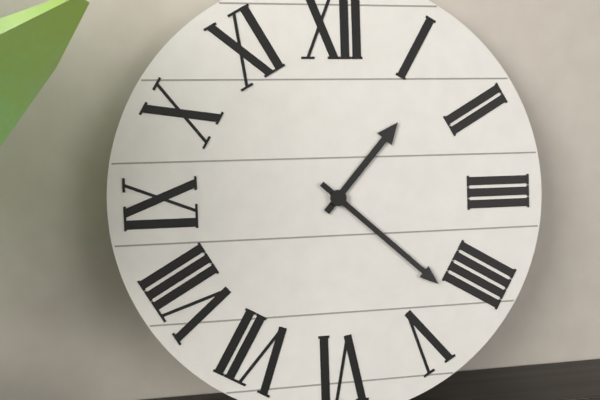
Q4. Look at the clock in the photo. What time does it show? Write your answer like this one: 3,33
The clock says 1,22
